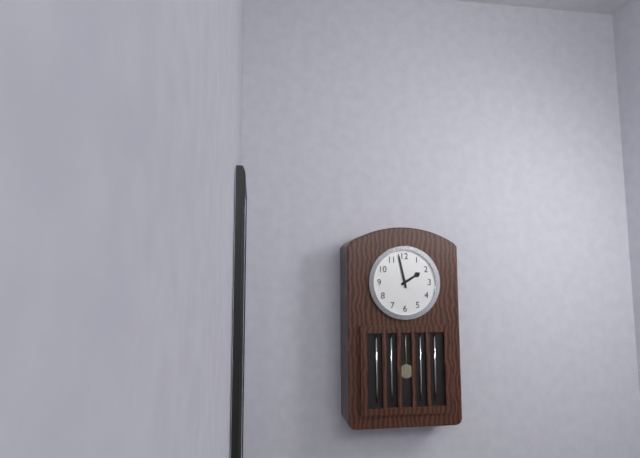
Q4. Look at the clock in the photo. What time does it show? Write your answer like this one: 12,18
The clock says 1,58
